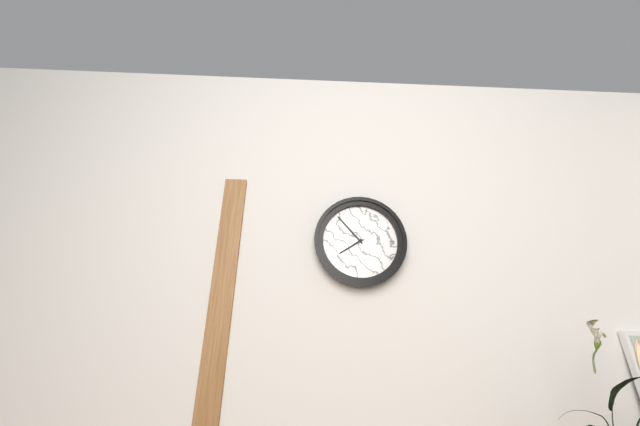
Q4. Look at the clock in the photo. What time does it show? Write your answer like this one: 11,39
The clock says 7,53
